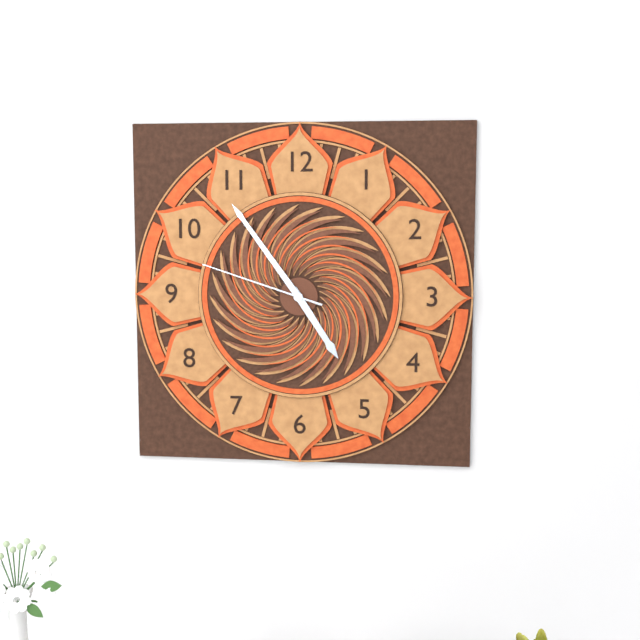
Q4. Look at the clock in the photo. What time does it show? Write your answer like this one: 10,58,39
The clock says 4,54,48
